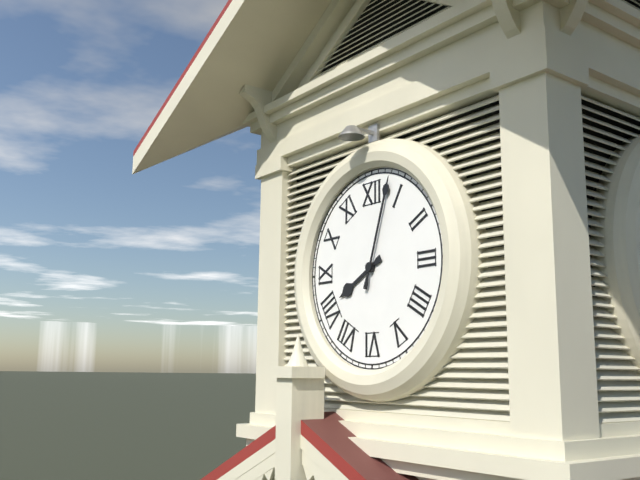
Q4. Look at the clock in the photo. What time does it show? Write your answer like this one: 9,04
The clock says 8,03
